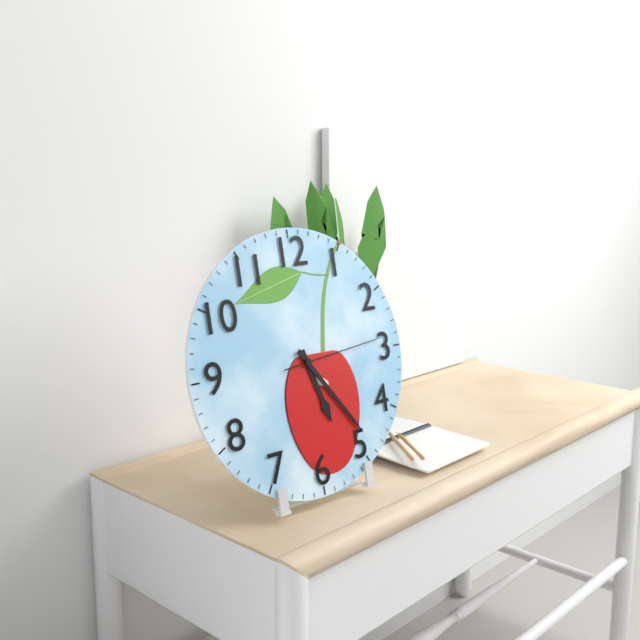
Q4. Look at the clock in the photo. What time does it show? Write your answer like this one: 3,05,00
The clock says 5,24,14
